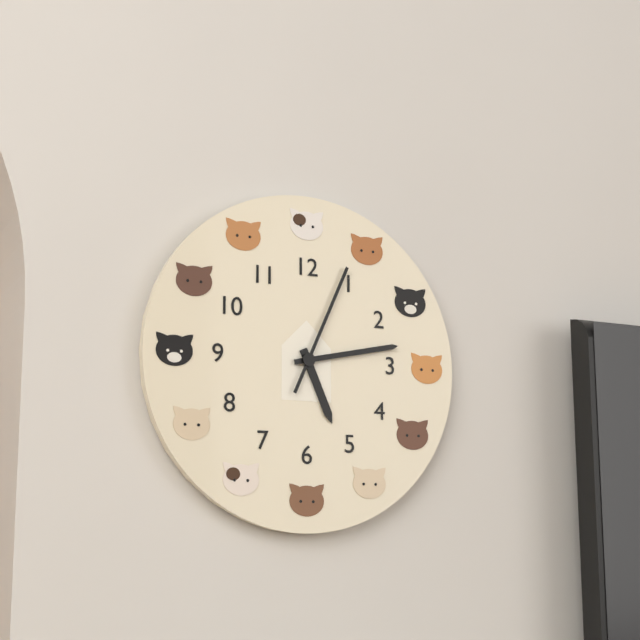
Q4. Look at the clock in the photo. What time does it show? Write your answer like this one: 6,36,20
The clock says 5,13,04
